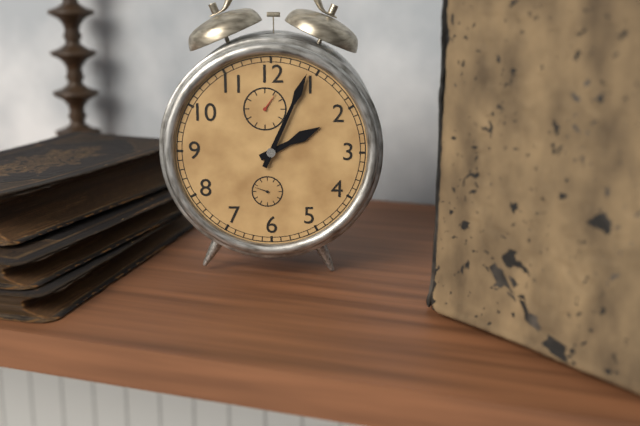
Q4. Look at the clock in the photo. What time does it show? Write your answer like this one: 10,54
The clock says 2,04
